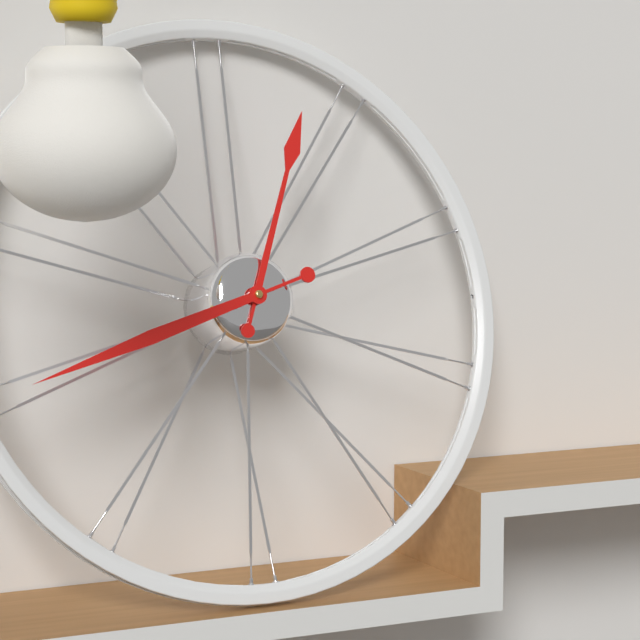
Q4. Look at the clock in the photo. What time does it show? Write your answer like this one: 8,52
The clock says 12,42
